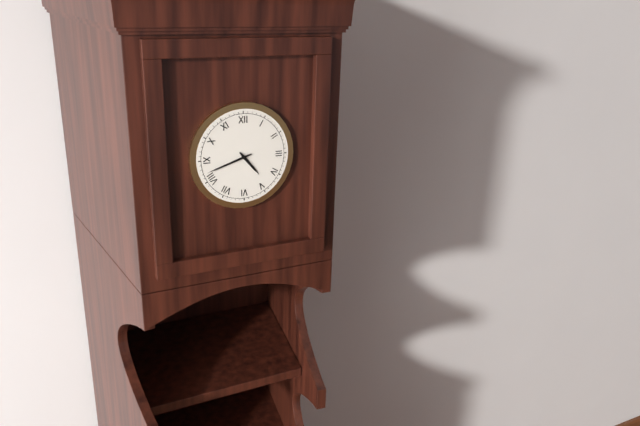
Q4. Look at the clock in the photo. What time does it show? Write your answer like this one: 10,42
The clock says 4,42
